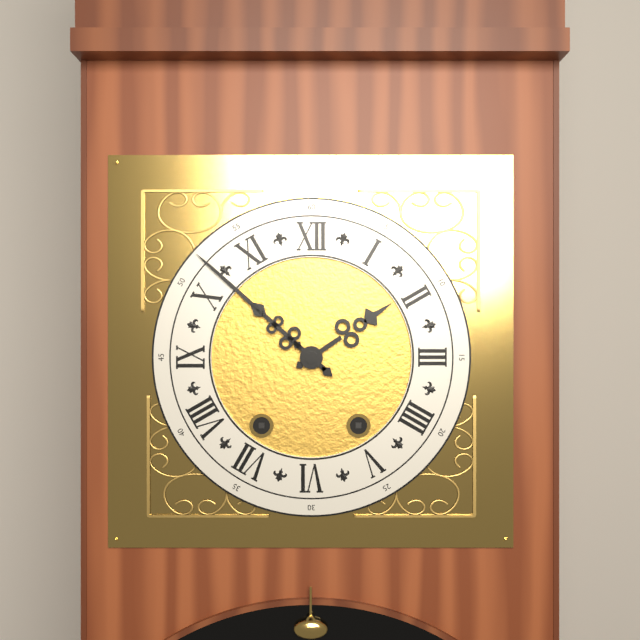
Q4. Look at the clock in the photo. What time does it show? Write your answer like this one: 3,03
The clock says 1,52
